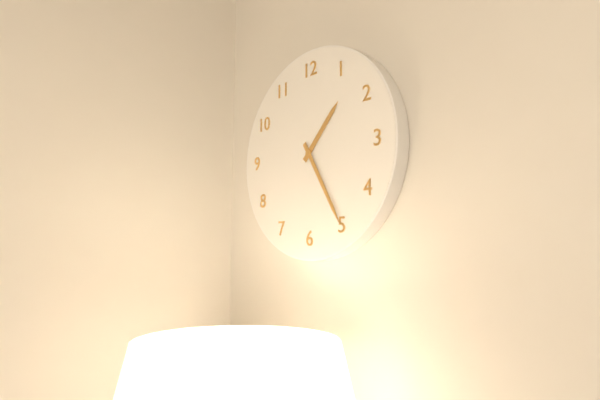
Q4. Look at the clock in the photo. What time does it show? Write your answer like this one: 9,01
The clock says 1,25
